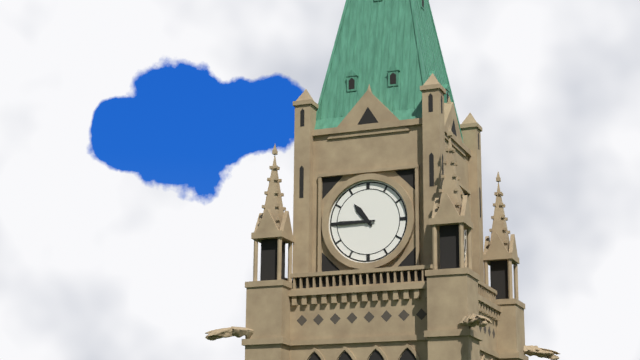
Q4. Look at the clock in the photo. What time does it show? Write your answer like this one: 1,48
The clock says 10,45
